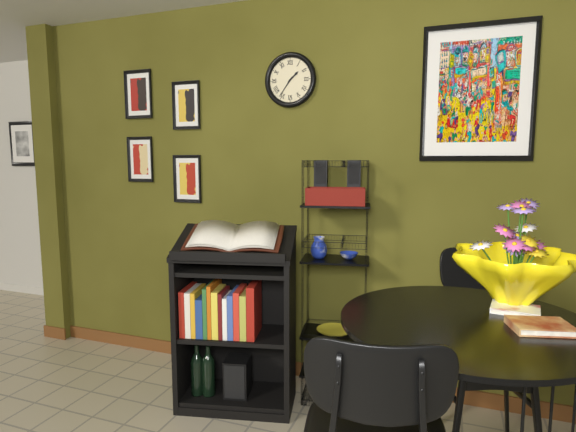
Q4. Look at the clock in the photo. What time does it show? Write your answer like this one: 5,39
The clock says 1,36
